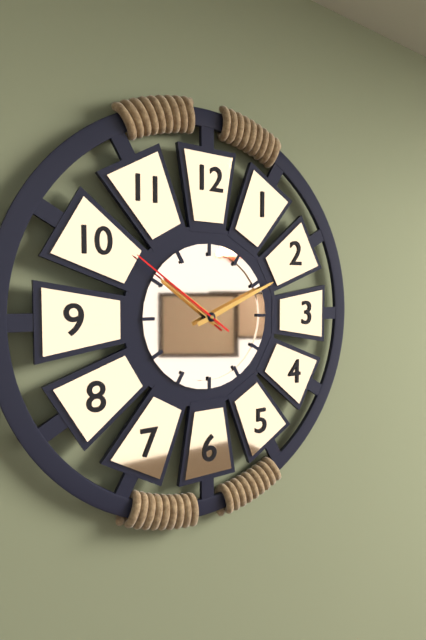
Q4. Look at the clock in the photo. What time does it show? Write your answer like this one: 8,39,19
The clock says 10,11,51
